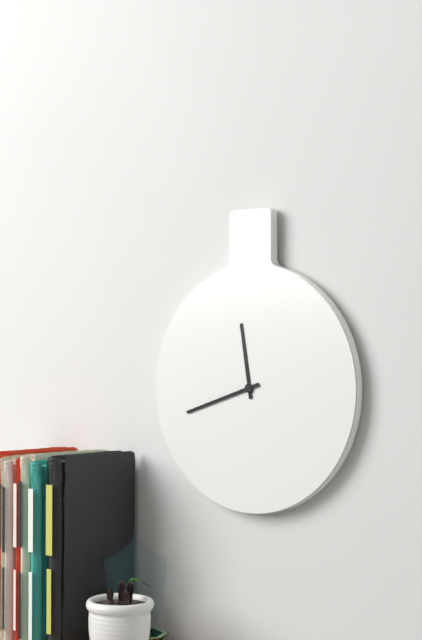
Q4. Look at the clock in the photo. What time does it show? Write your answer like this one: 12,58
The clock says 11,42
